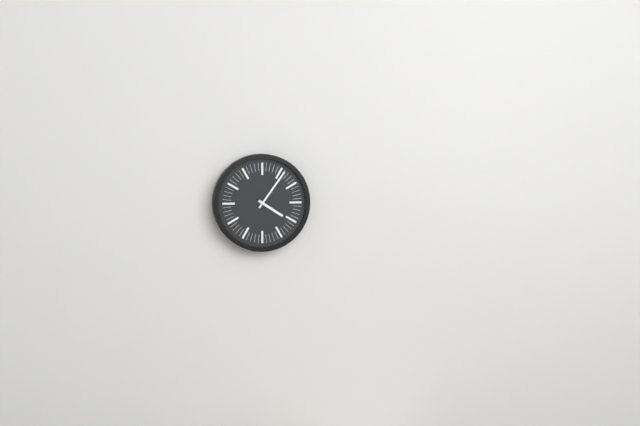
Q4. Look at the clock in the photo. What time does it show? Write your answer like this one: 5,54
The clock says 4,06
